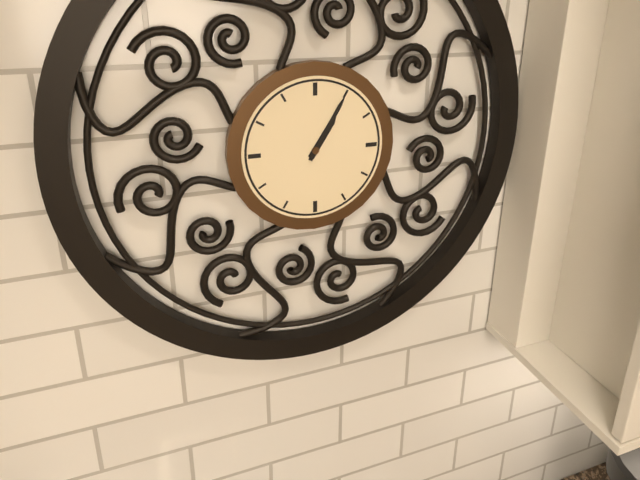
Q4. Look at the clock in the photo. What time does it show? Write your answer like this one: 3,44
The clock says 1,05
